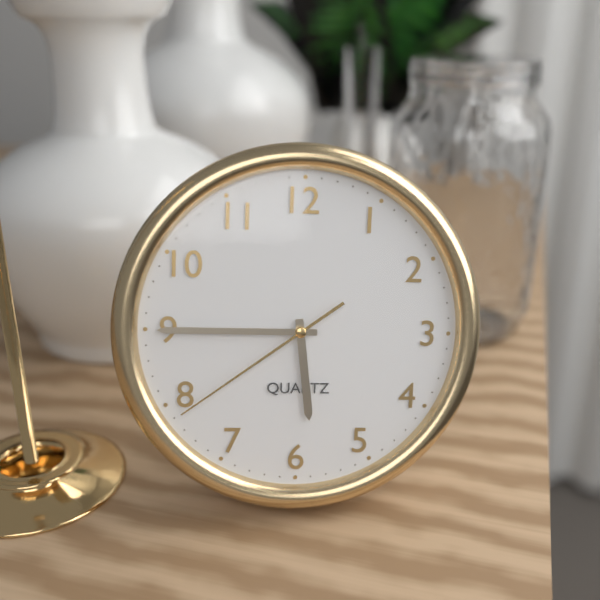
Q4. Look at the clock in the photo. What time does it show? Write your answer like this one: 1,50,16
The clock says 5,45,39
